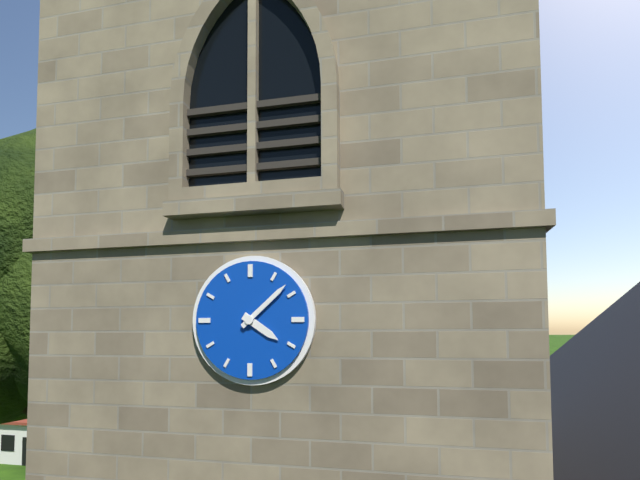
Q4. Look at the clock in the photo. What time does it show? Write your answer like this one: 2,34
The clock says 4,08
